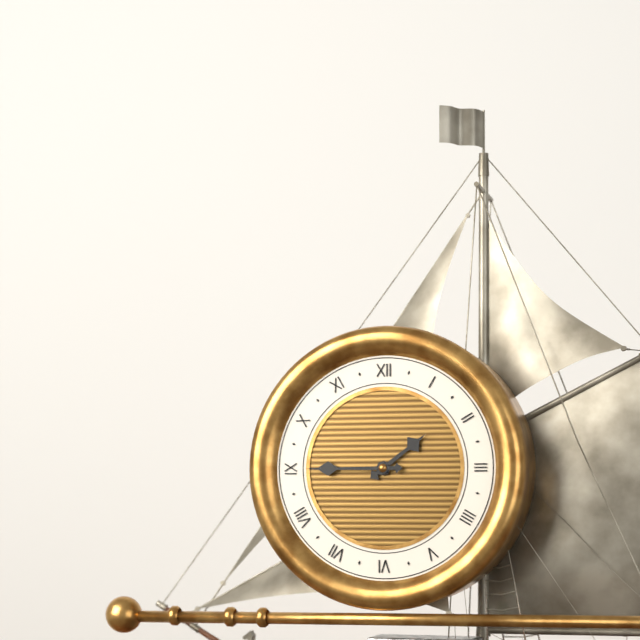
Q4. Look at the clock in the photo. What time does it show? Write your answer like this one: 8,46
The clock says 1,45
